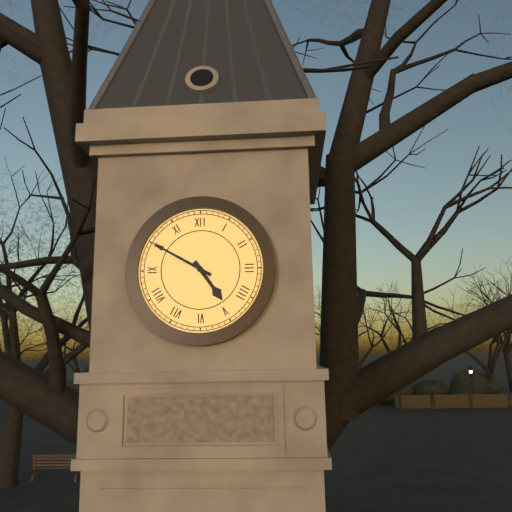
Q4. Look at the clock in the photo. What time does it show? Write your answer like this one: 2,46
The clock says 4,50
